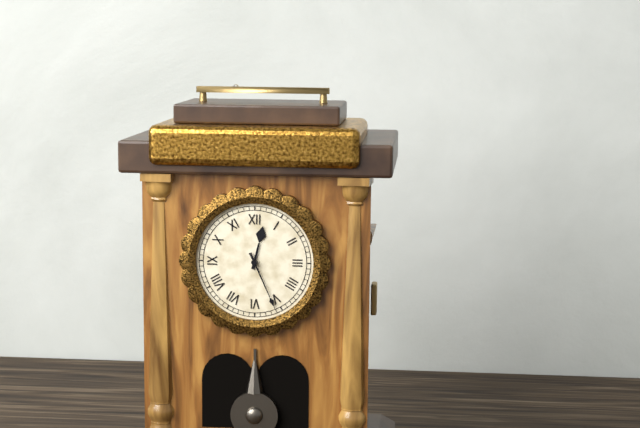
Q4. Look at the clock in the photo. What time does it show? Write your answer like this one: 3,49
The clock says 12,26
